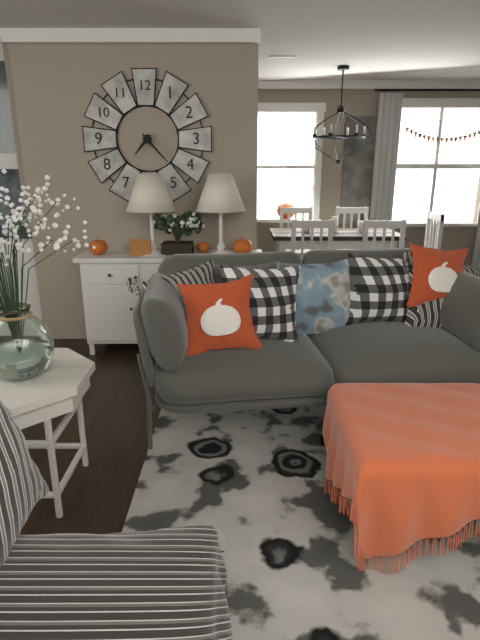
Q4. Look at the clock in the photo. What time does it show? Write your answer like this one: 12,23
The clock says 7,23
